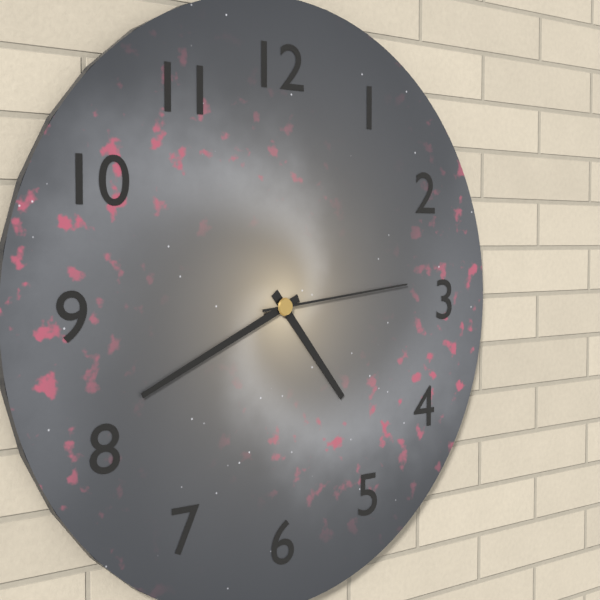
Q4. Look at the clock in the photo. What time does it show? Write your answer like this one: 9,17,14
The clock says 4,41,14
